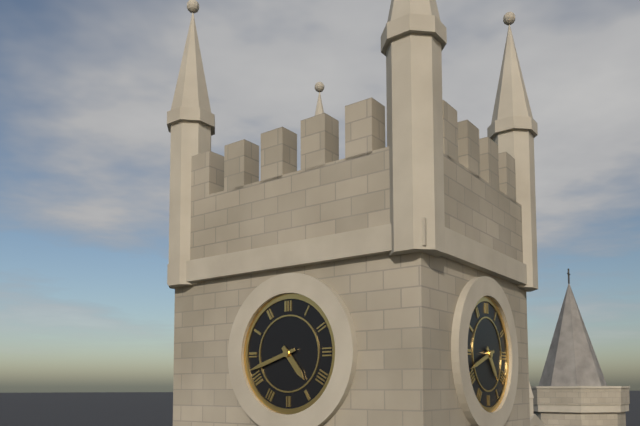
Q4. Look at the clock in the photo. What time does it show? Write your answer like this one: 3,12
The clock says 4,42
